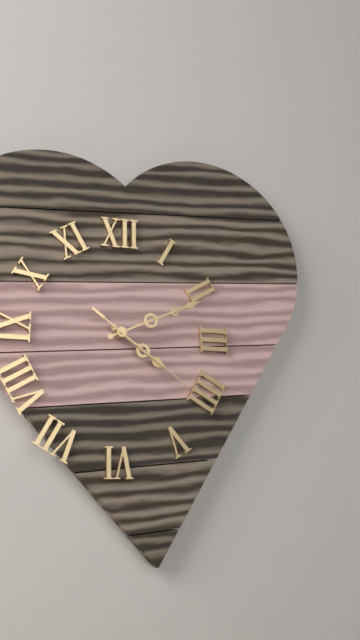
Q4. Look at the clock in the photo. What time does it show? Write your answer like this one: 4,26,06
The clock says 4,11,21
